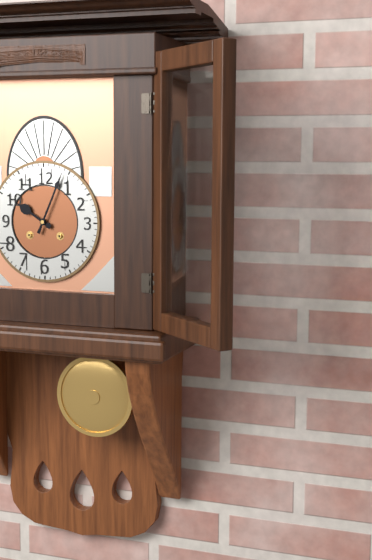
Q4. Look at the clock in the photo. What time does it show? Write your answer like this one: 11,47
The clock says 10,04
